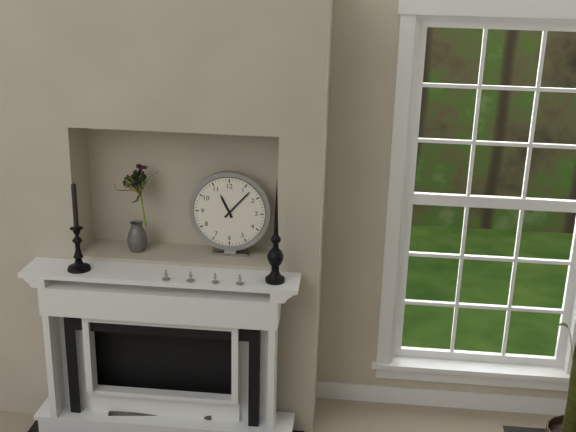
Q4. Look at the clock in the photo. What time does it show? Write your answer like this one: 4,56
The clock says 11,07
